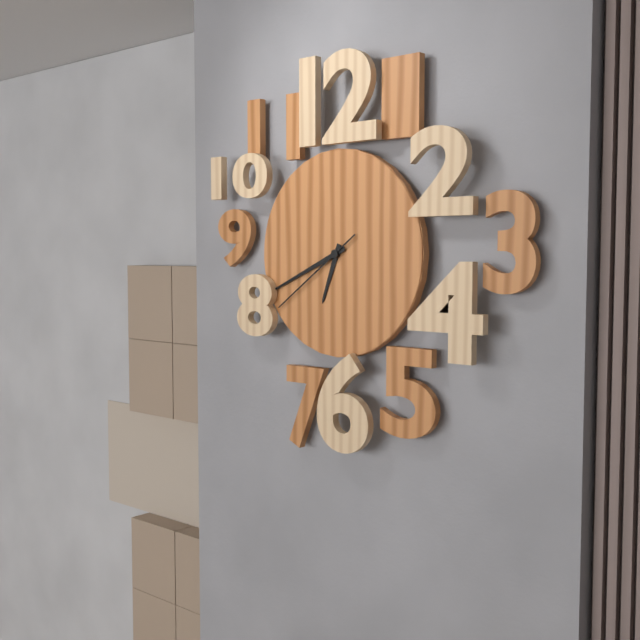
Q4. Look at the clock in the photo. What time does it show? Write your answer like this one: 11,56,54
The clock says 6,41,39
